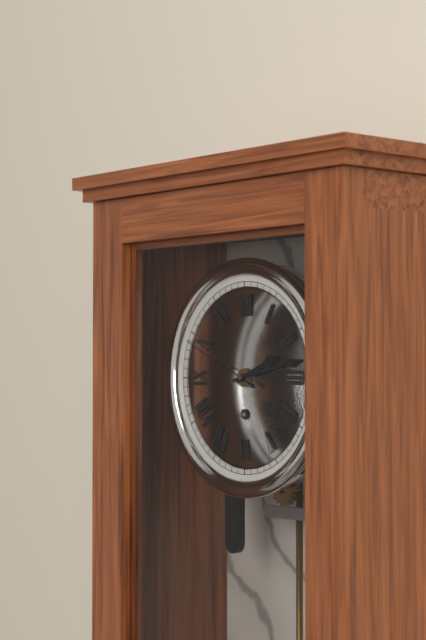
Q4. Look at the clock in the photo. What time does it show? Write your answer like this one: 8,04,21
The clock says 2,13,49
